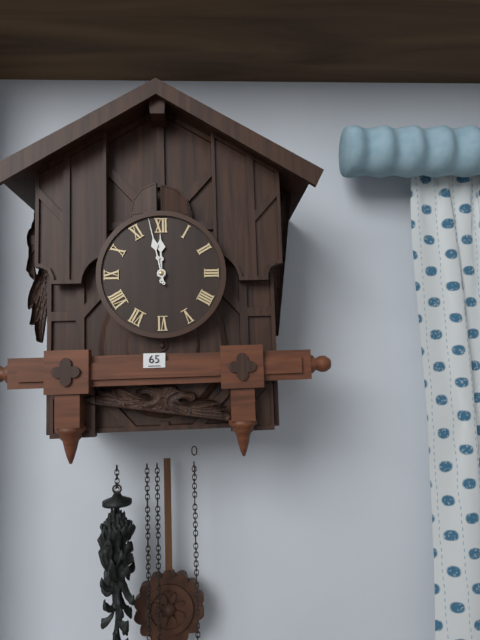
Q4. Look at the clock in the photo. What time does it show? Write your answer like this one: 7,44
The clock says 11,58
